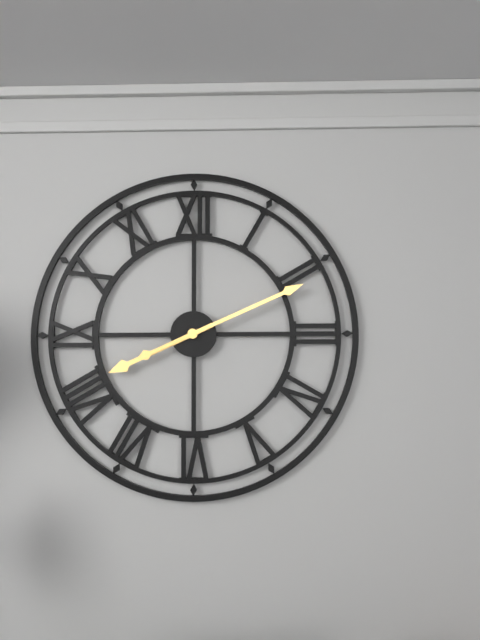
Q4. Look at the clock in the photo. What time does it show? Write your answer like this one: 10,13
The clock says 8,11
